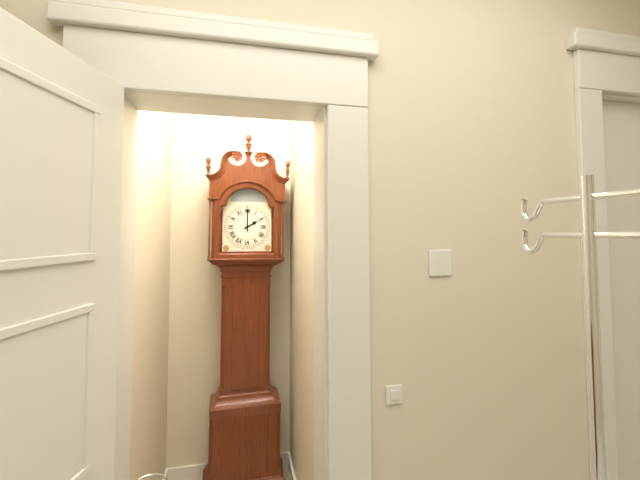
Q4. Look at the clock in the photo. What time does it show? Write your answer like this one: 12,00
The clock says 2,00
